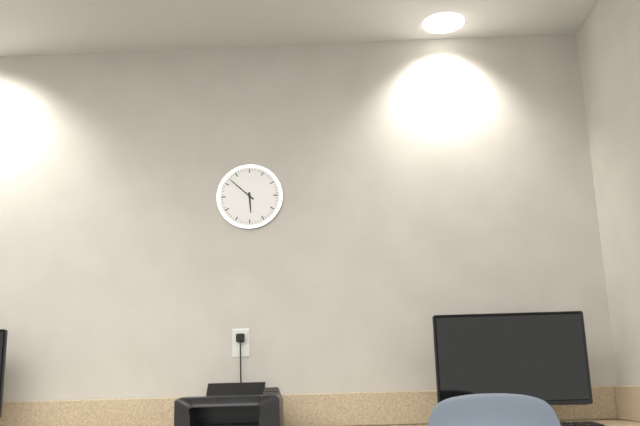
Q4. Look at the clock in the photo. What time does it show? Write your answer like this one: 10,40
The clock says 5,52
